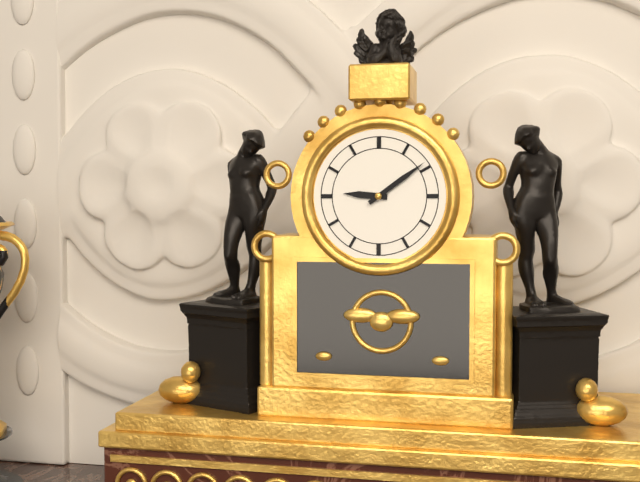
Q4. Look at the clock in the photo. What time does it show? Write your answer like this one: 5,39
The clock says 9,09
